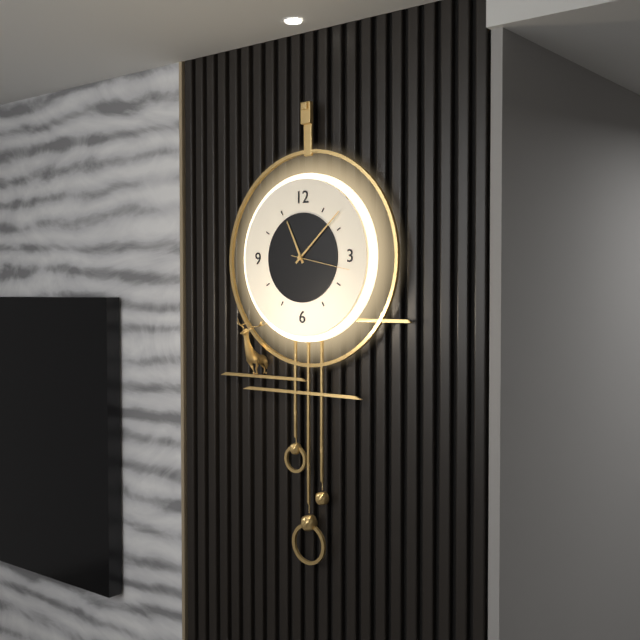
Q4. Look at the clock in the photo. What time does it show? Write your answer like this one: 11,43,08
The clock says 11,08,17
